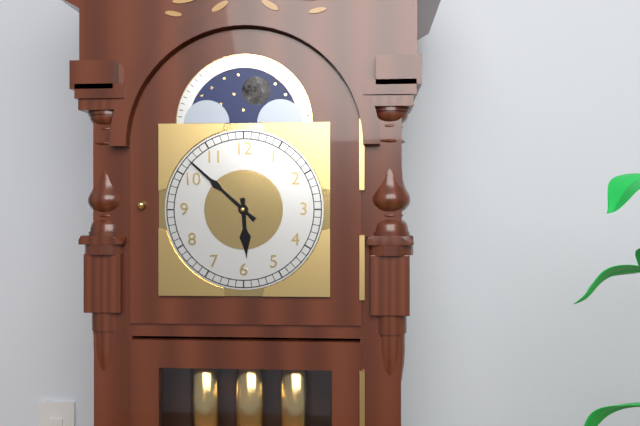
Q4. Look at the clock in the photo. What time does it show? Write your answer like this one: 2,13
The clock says 5,52
